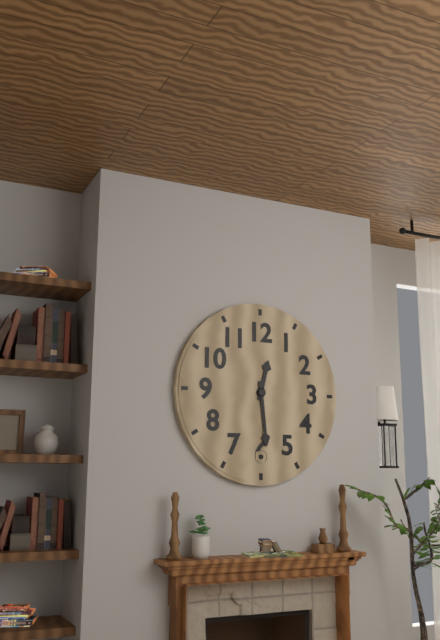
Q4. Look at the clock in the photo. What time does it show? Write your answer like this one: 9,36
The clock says 12,29
